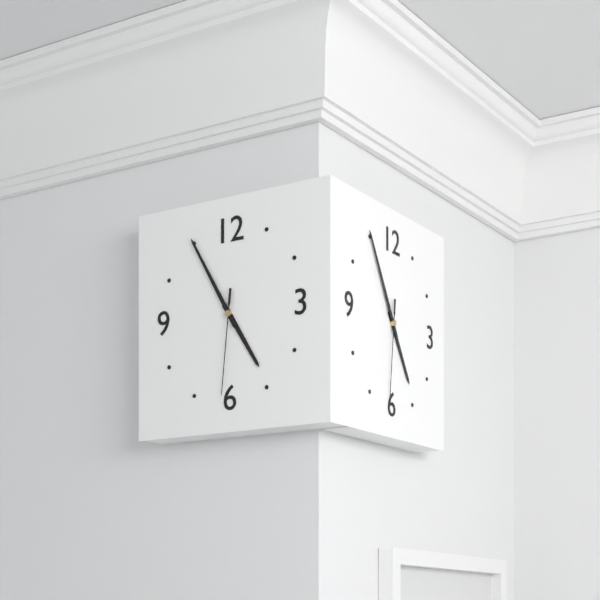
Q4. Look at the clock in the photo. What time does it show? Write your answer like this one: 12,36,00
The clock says 4,55,31
